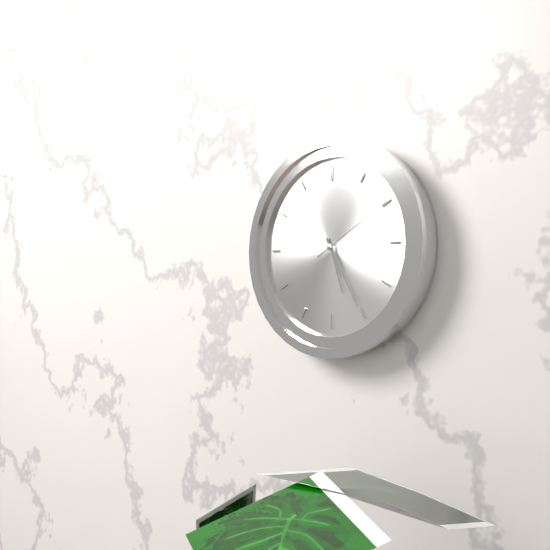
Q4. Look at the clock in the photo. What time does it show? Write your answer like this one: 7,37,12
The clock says 5,25,10
